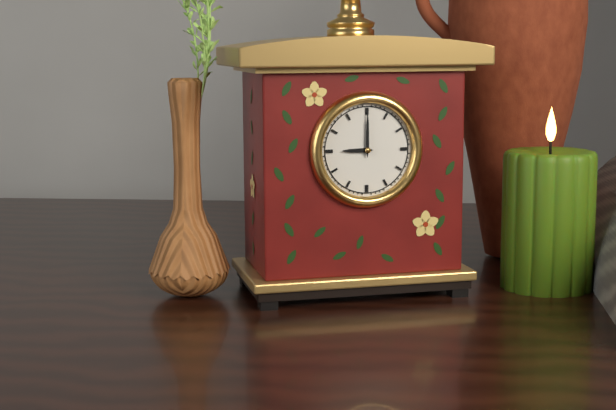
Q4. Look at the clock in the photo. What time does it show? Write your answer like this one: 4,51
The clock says 9,00
